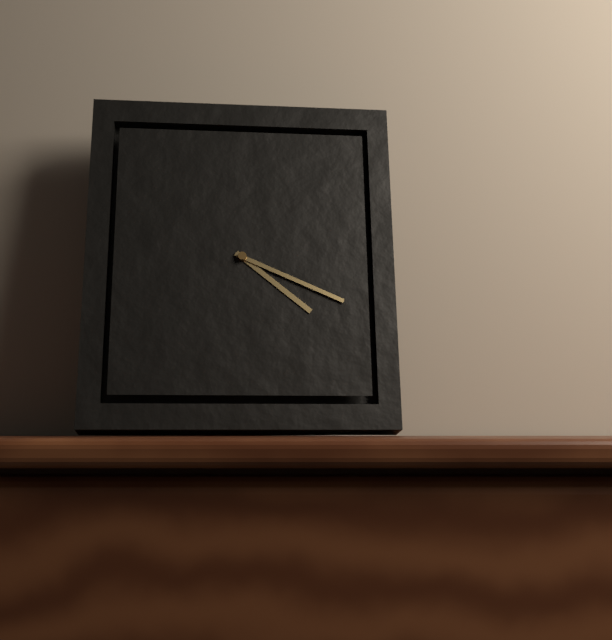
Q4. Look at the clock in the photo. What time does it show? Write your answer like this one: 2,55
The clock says 4,19
